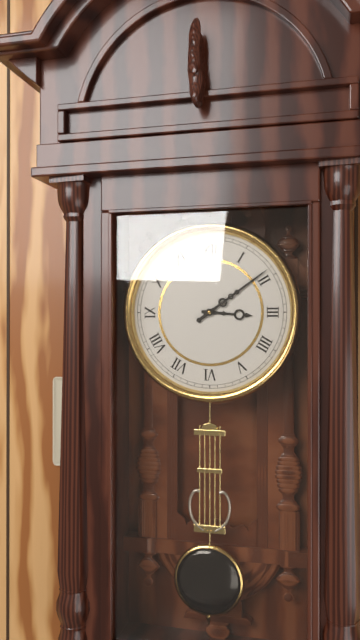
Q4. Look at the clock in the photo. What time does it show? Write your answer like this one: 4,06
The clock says 3,09
